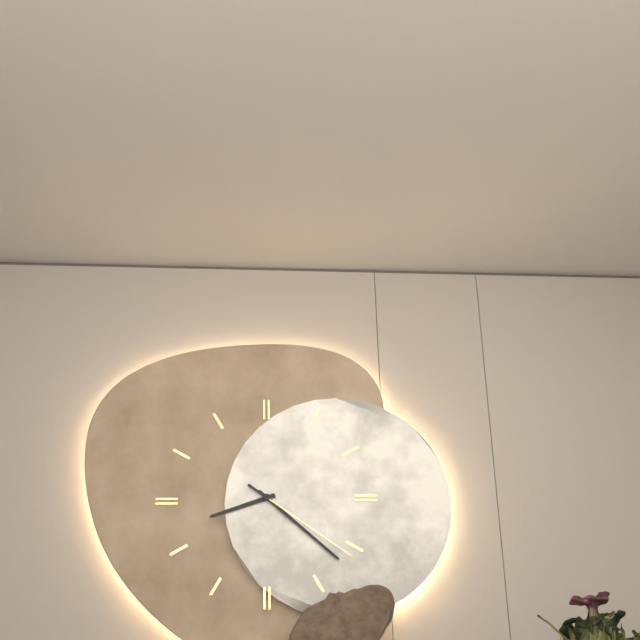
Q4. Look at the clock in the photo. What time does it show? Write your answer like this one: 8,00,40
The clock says 8,22,21
